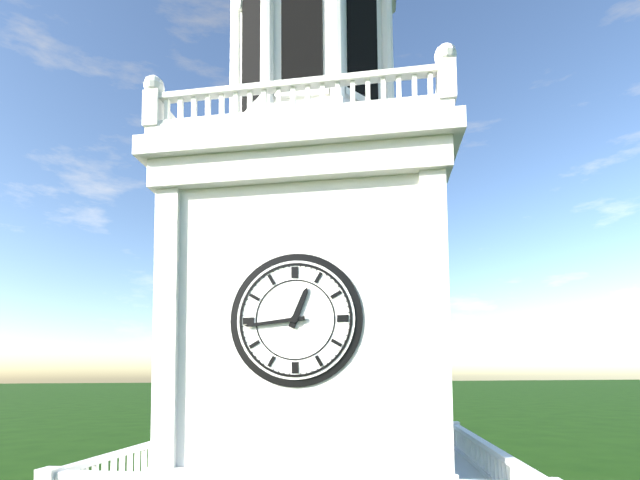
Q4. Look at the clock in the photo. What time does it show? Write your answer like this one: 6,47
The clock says 12,44
